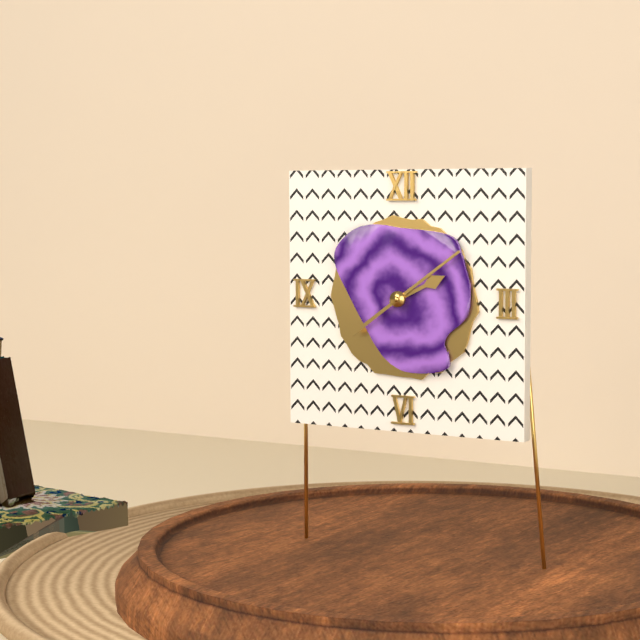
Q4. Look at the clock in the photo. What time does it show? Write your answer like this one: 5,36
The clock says 2,09
